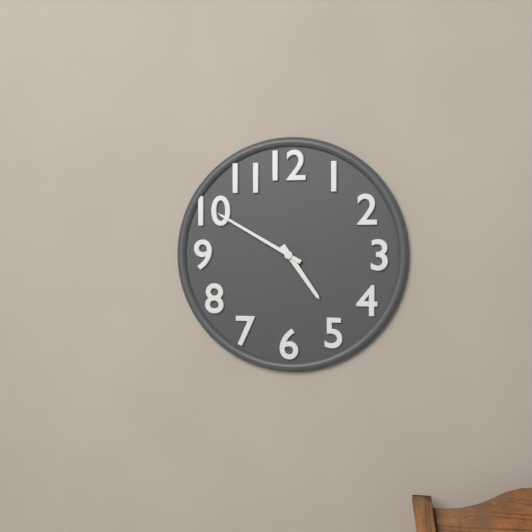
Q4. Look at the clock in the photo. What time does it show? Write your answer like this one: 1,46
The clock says 4,50
